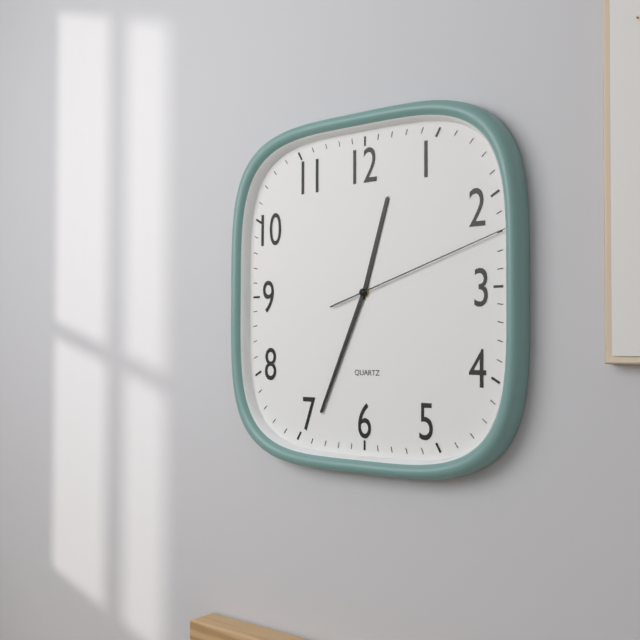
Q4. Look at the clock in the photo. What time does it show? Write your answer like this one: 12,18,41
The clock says 12,34,12
